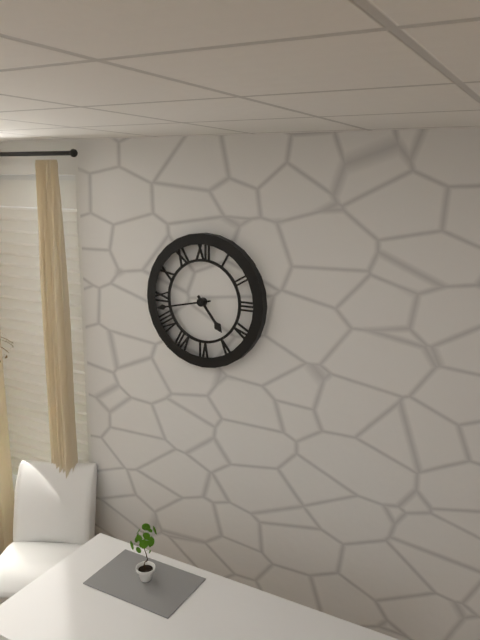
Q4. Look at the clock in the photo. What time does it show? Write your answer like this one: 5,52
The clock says 4,43
